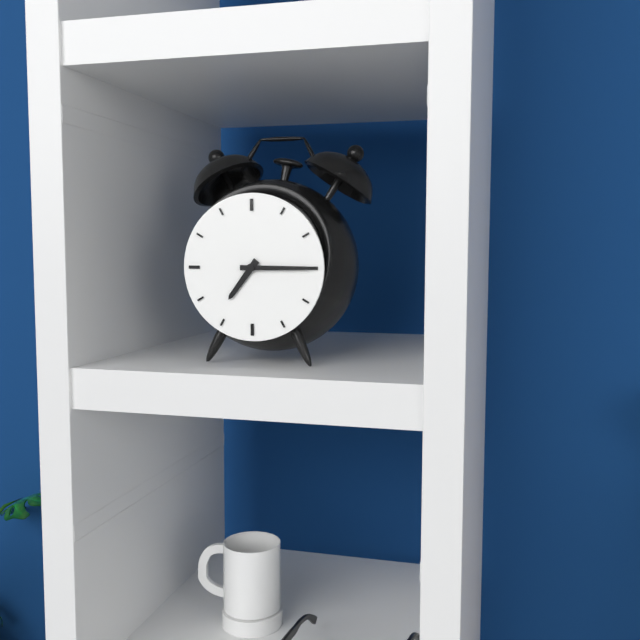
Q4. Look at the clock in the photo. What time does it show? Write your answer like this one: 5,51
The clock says 7,15
